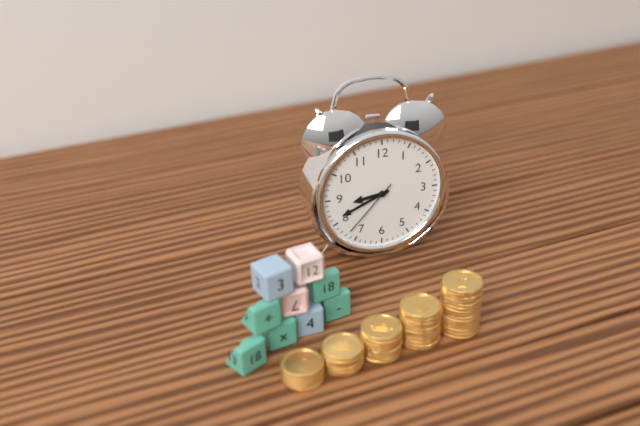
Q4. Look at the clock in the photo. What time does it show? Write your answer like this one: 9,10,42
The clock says 8,41,37
